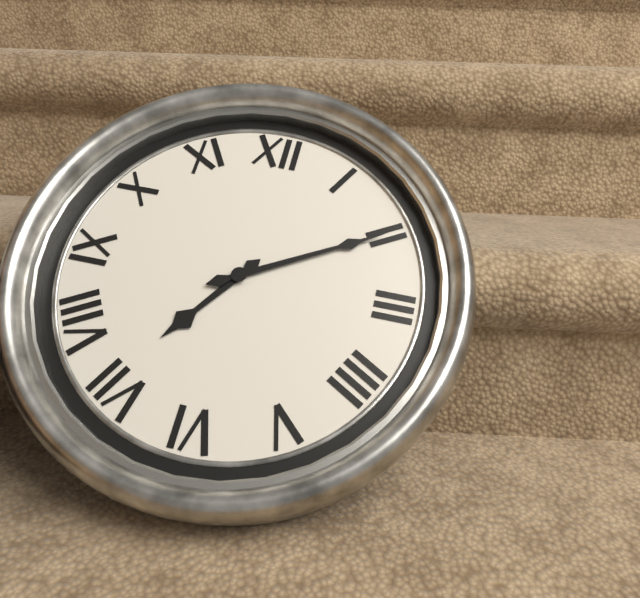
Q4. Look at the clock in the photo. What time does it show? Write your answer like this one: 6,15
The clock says 7,10
